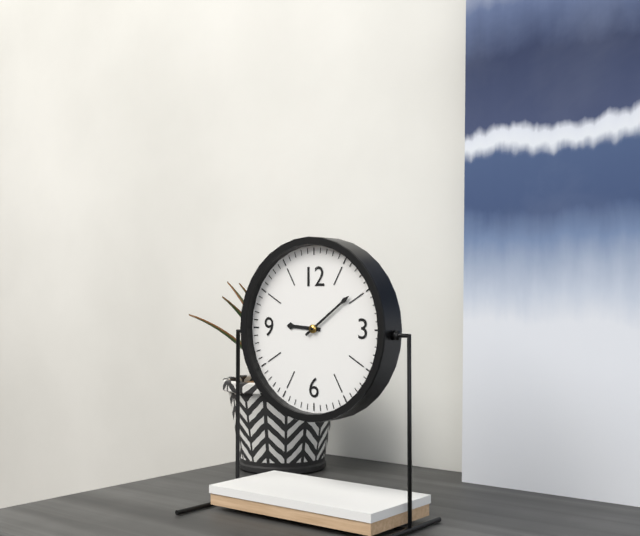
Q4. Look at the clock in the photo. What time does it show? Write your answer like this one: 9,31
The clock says 9,09
